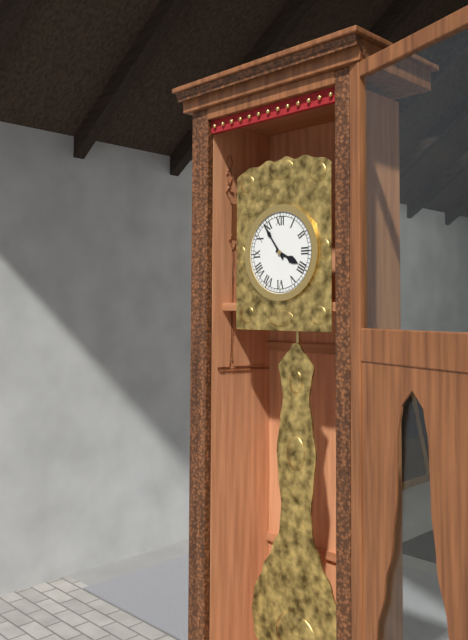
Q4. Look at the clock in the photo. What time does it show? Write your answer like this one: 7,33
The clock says 3,54
